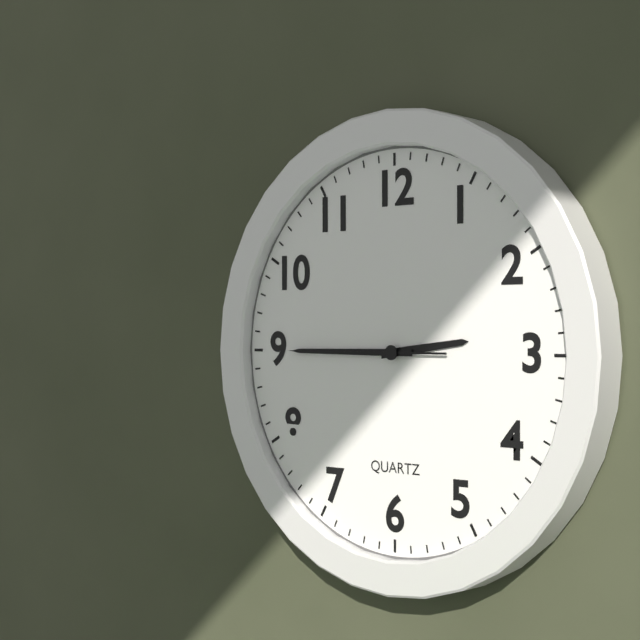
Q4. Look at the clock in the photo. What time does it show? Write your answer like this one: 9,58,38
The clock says 2,45,45
